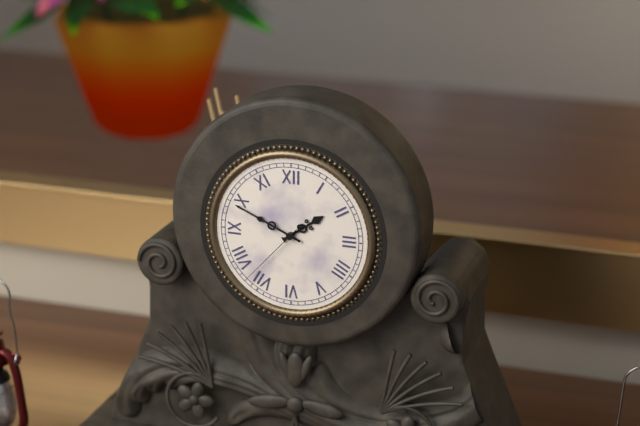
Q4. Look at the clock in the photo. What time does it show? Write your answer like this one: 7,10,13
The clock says 1,49,37
